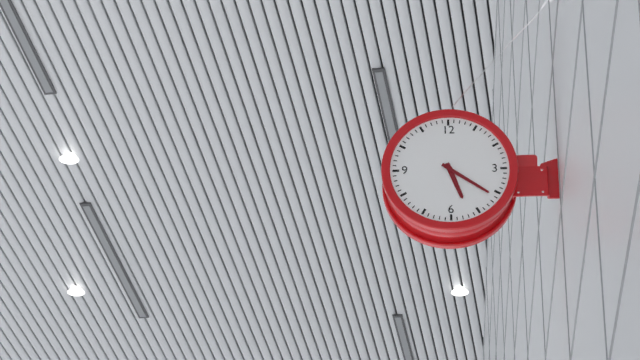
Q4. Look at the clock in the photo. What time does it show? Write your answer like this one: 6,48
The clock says 5,21
